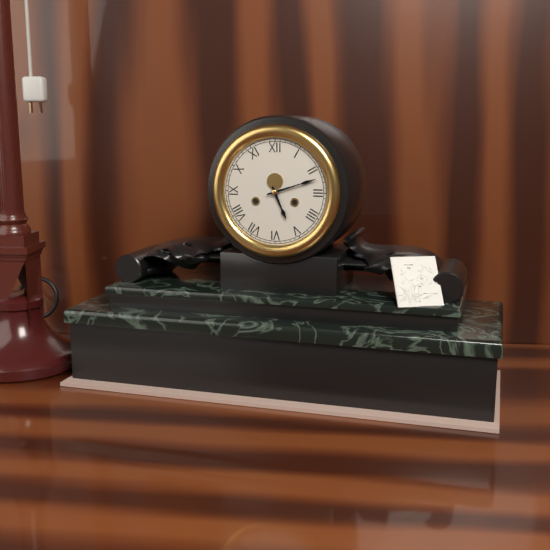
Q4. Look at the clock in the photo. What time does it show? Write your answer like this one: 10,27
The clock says 5,12
